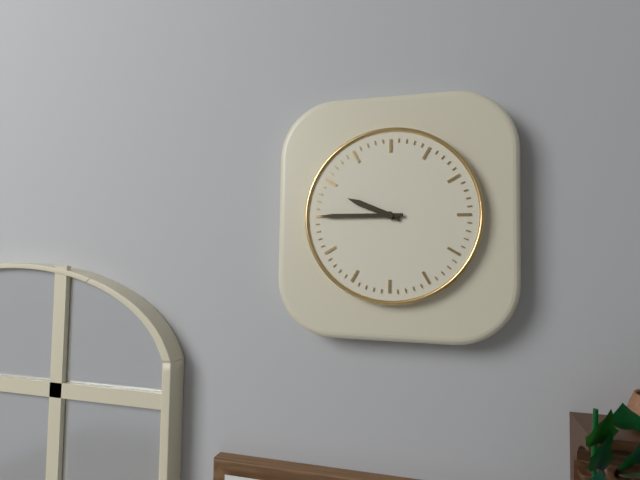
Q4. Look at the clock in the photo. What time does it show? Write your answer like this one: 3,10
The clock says 9,45
